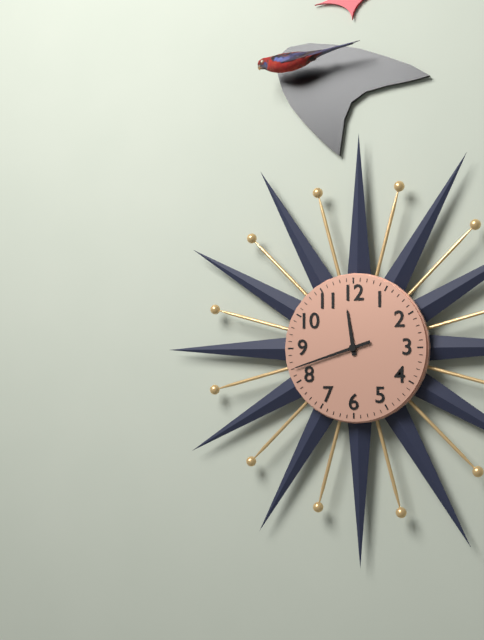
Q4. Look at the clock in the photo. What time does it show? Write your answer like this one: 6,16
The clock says 11,42
